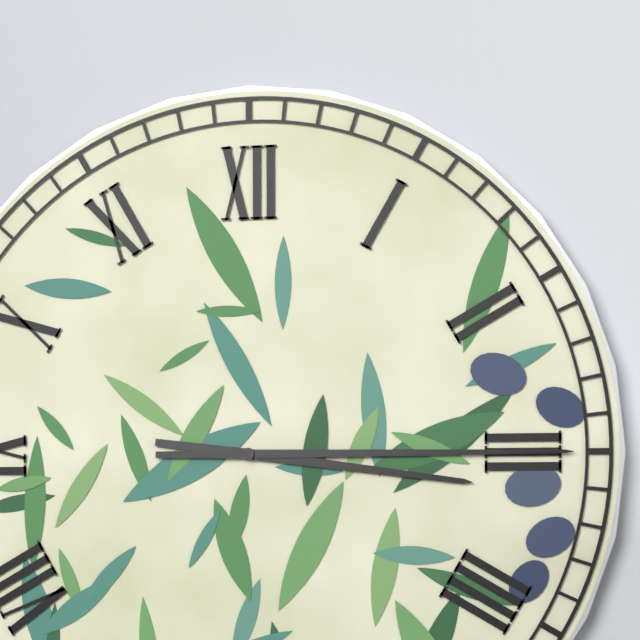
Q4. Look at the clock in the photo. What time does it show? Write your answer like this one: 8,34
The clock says 3,15
